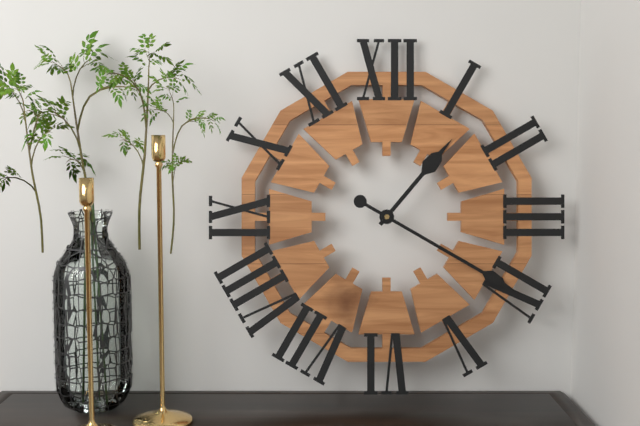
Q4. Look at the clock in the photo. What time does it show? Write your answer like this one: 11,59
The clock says 1,20
